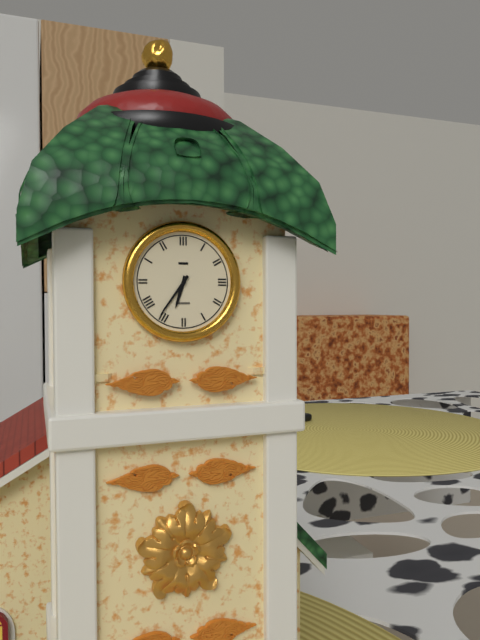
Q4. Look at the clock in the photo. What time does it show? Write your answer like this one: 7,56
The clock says 6,36
